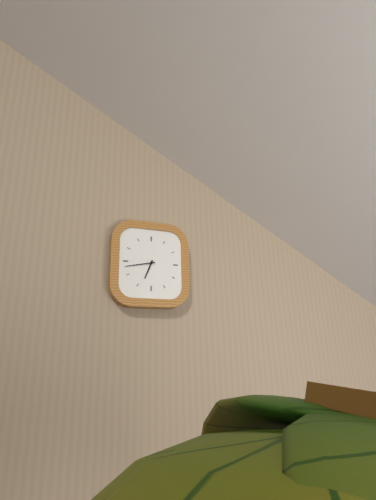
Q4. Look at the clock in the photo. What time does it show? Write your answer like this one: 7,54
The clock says 6,43
